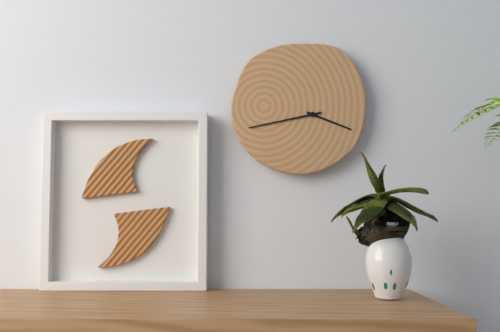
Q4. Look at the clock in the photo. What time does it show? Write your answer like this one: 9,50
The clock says 3,43
